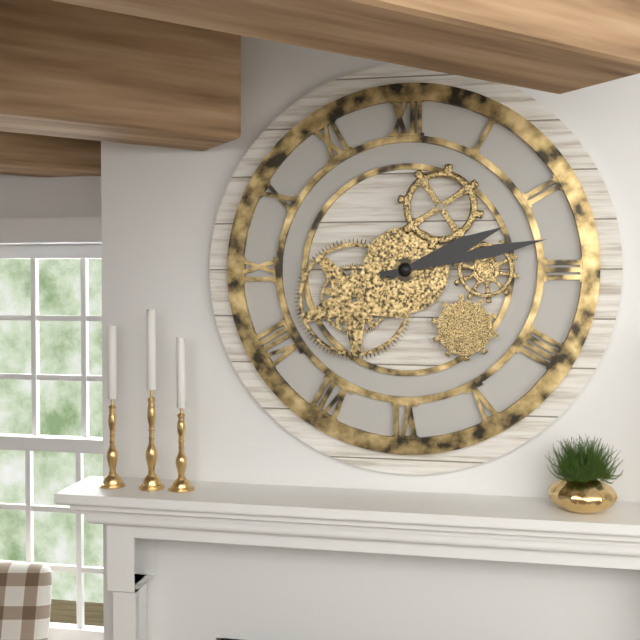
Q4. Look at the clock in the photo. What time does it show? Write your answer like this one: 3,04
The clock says 2,13
